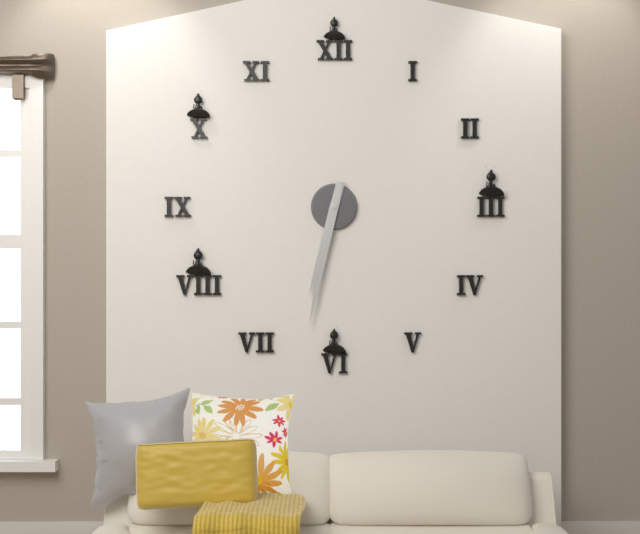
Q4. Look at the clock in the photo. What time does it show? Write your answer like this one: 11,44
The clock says 6,32
